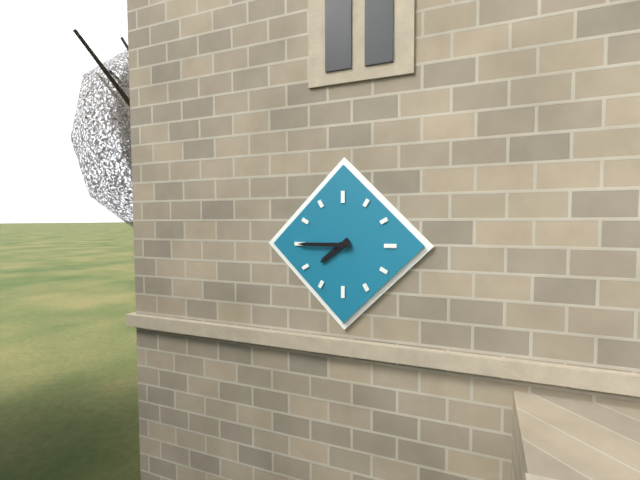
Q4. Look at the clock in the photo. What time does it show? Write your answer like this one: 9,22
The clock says 7,45
